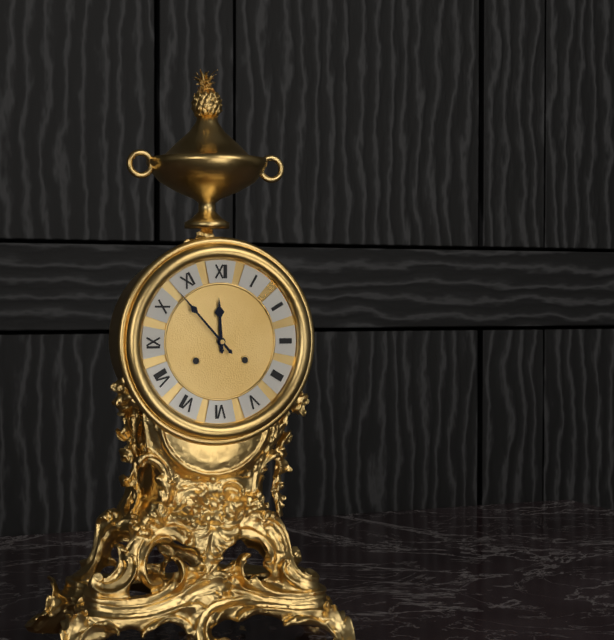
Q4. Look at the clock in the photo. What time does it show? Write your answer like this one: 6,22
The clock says 11,53
